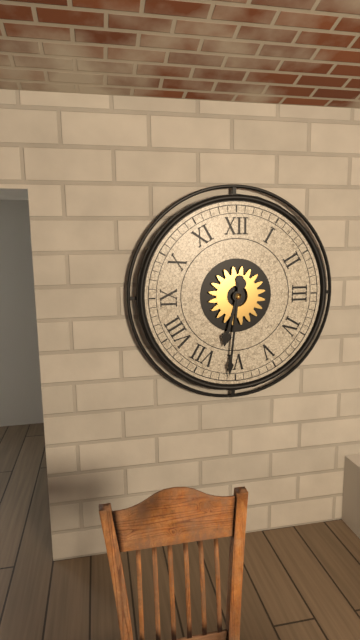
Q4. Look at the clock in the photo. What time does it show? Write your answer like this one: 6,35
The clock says 6,31
